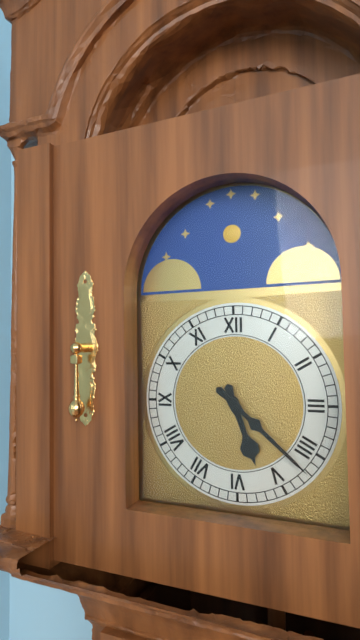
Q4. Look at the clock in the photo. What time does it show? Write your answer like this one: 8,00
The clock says 5,22
